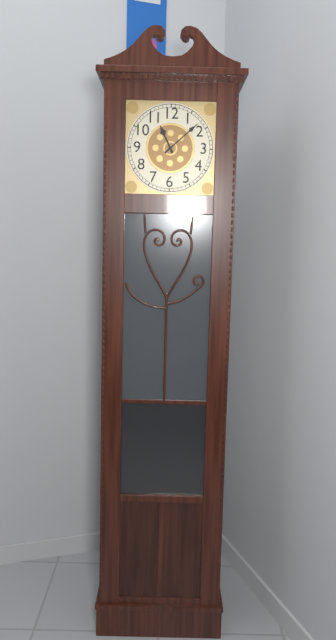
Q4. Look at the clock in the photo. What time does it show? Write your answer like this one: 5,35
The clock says 11,08
